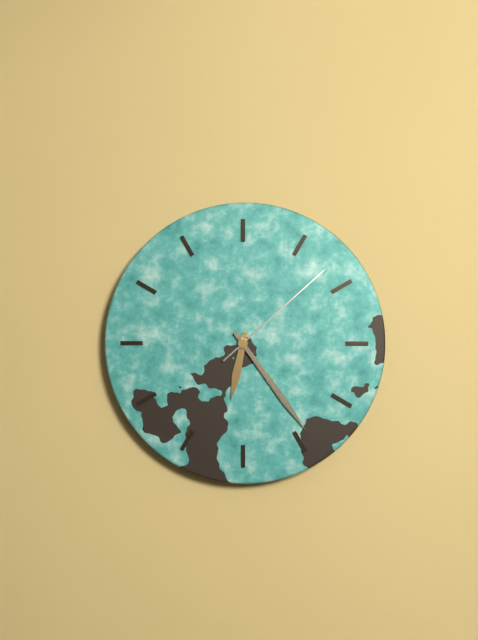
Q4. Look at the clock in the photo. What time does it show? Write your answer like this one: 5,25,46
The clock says 6,24,08
